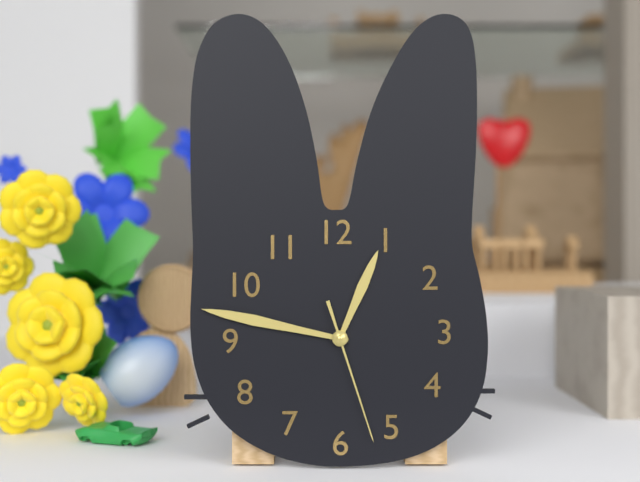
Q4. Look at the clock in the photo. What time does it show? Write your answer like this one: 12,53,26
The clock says 12,47,27
